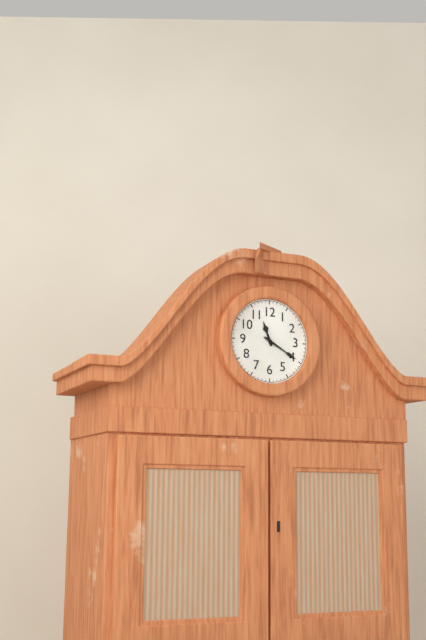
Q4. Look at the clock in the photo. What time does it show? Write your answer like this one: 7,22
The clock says 11,20
